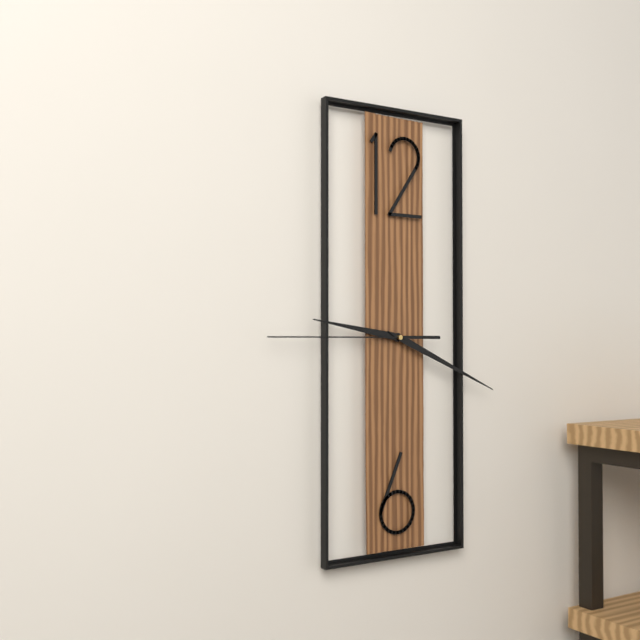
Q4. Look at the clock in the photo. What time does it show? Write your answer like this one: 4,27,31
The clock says 9,19,45
